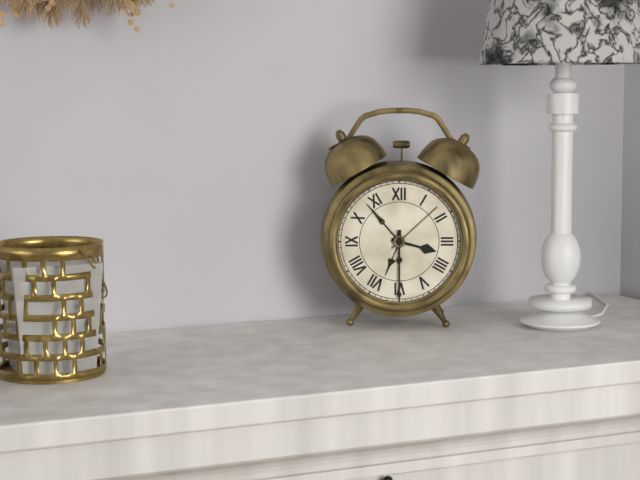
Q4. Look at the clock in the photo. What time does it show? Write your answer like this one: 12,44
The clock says 3,30
